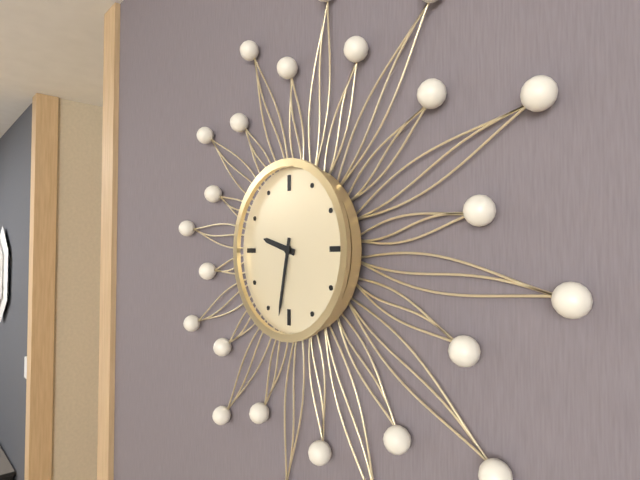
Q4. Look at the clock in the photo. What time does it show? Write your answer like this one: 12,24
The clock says 9,32
